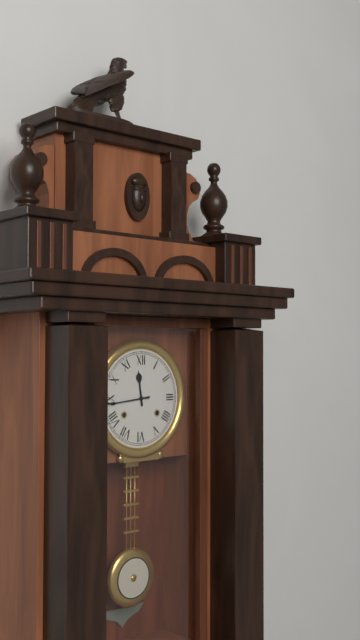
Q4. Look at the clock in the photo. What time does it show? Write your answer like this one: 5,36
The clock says 11,44
